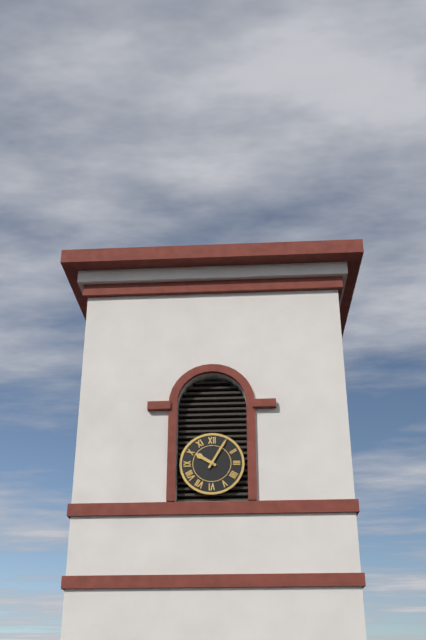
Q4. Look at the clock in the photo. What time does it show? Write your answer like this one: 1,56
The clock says 10,05
